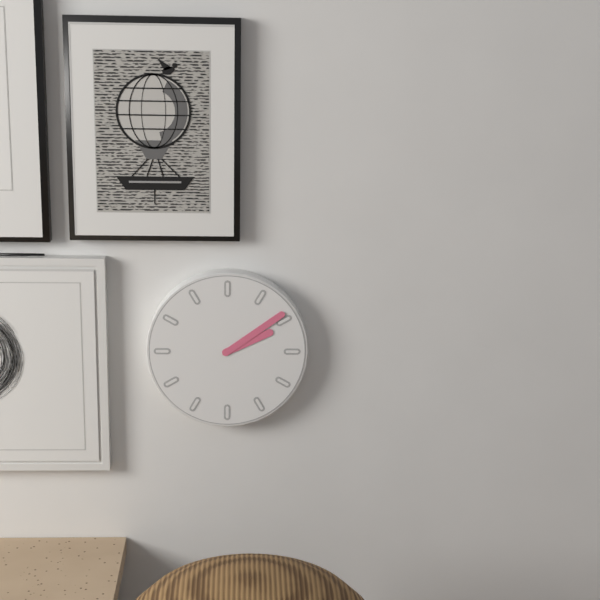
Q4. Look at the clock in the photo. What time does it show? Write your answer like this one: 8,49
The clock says 2,09
